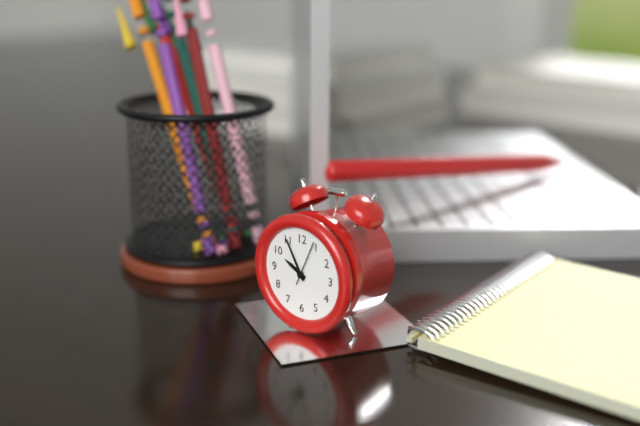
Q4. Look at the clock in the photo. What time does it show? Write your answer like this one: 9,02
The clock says 9,55
